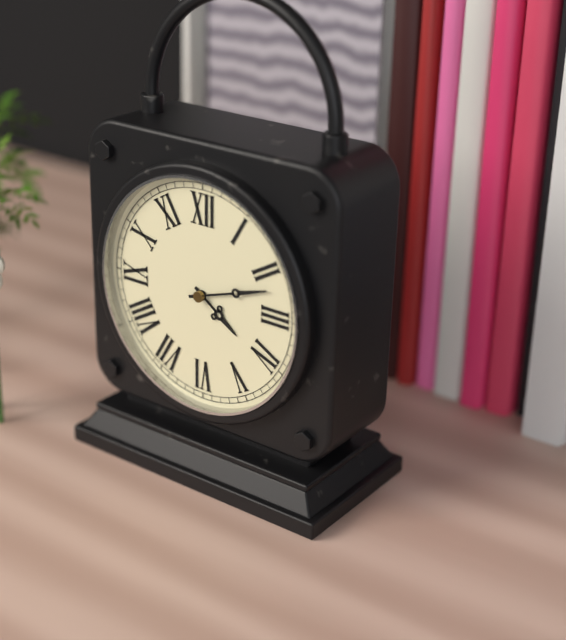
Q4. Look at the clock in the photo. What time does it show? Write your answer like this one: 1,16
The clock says 4,12
